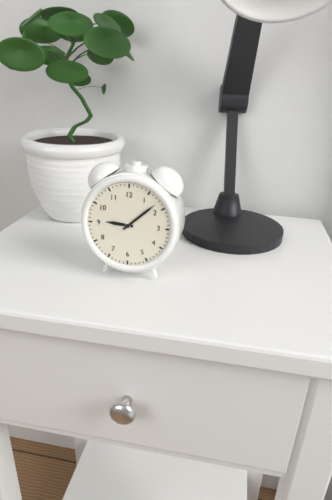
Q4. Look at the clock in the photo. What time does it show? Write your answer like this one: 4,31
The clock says 9,08
